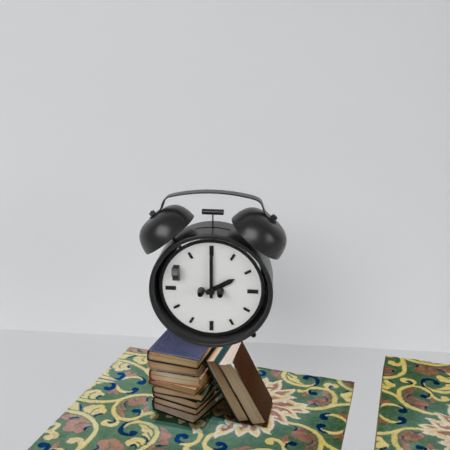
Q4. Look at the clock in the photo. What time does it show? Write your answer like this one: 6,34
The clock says 2,00
